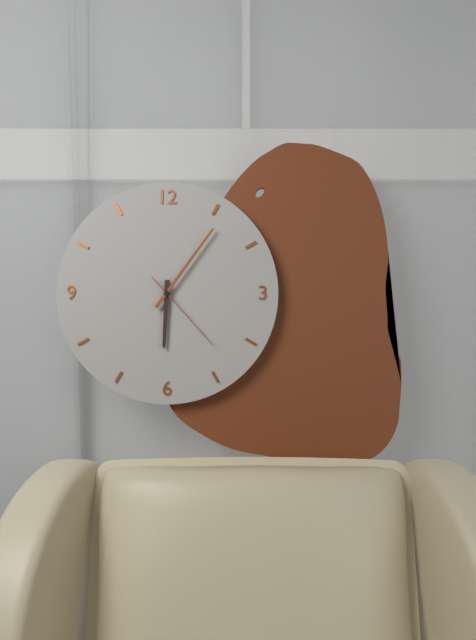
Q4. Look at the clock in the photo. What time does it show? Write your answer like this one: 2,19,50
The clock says 6,06,23
